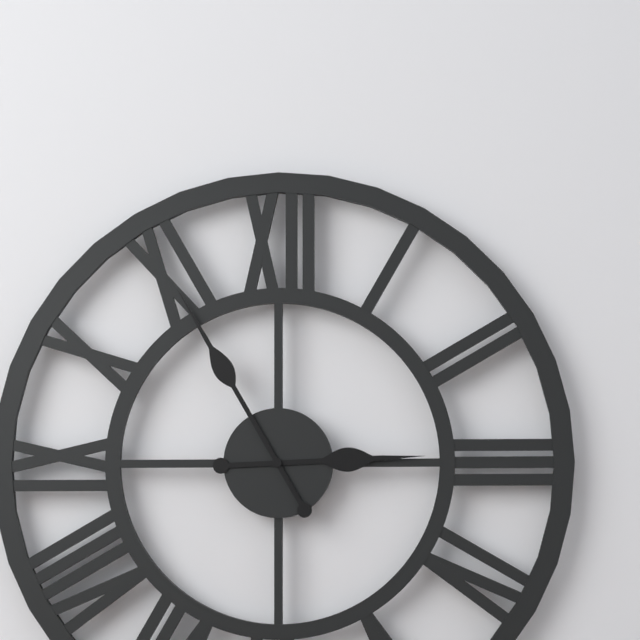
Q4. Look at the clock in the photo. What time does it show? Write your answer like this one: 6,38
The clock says 2,55
